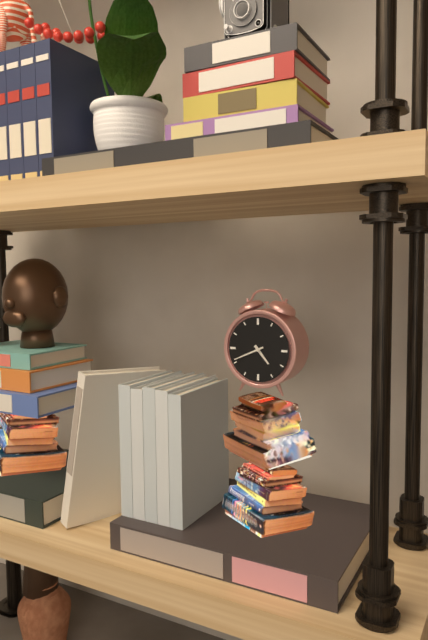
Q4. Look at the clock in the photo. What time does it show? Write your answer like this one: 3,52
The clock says 4,41
